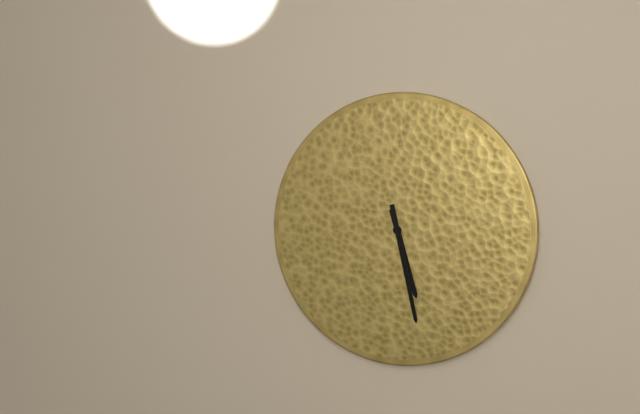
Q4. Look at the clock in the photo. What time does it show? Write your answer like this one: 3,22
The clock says 5,28
